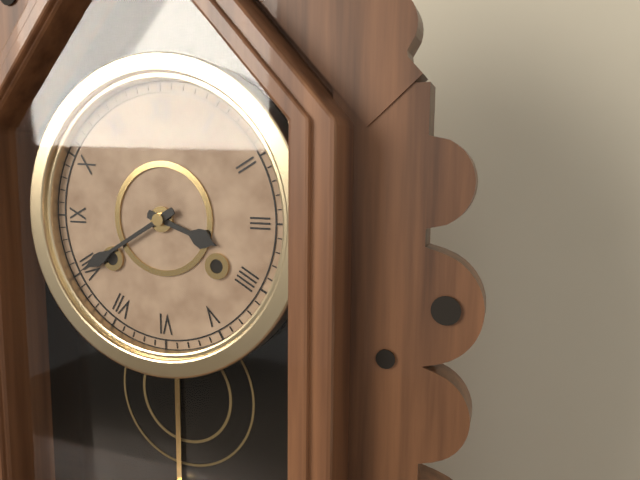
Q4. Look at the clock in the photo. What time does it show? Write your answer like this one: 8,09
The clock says 3,40
